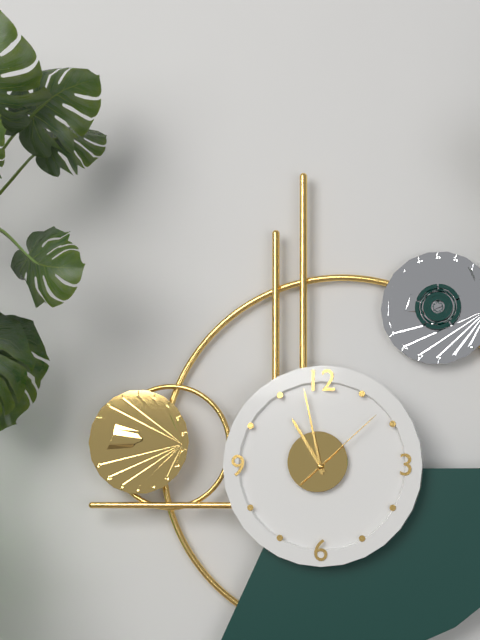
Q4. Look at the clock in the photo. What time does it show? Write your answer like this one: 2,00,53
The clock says 10,58,08
